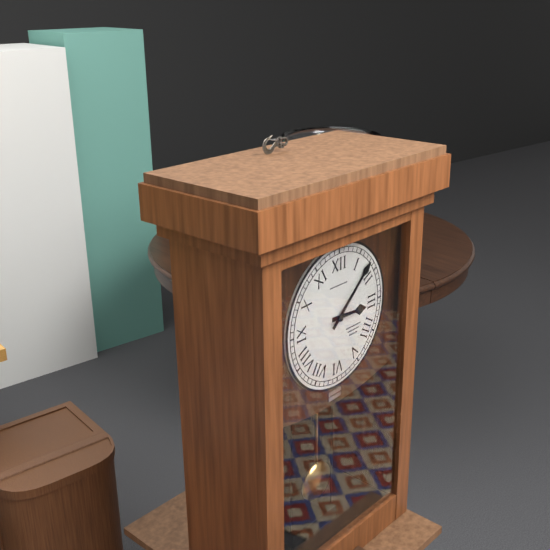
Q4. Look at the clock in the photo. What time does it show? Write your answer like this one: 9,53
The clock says 3,08
